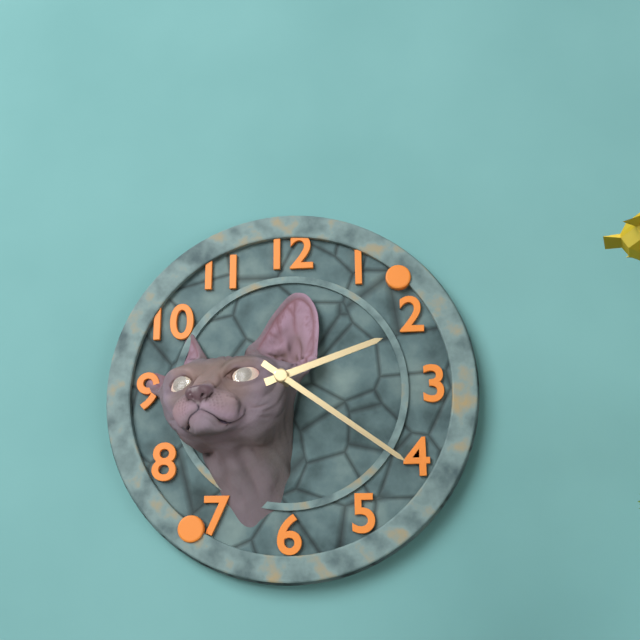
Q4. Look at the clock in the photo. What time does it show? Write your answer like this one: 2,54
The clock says 2,21
